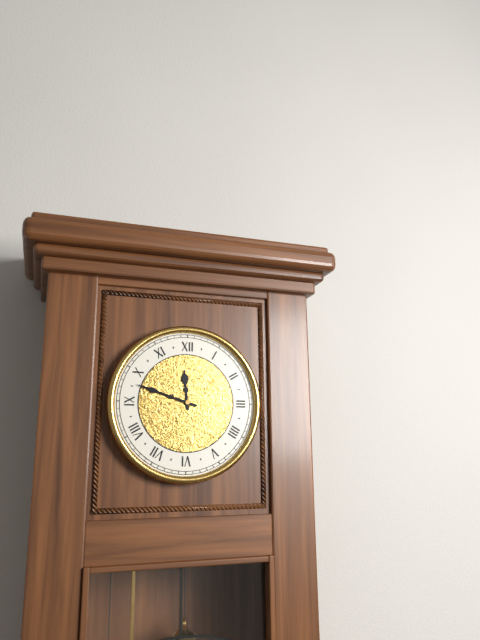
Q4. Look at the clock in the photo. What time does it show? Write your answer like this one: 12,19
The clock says 11,48
